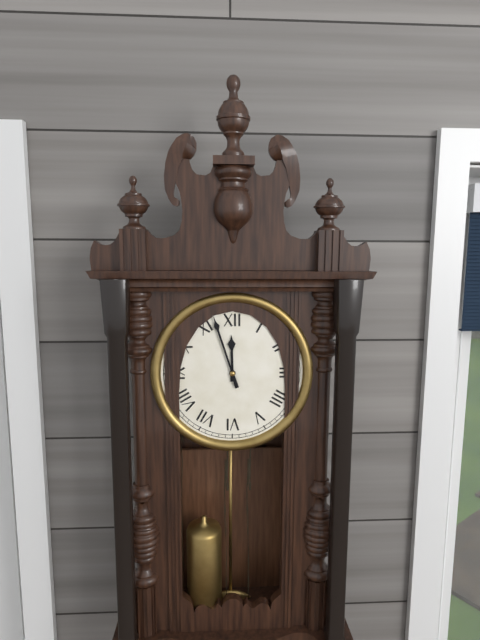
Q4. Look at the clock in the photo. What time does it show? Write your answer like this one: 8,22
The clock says 11,57
